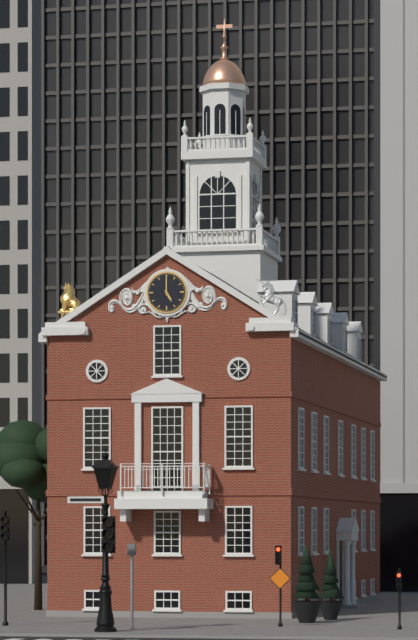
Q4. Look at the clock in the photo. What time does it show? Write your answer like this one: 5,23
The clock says 5,00
